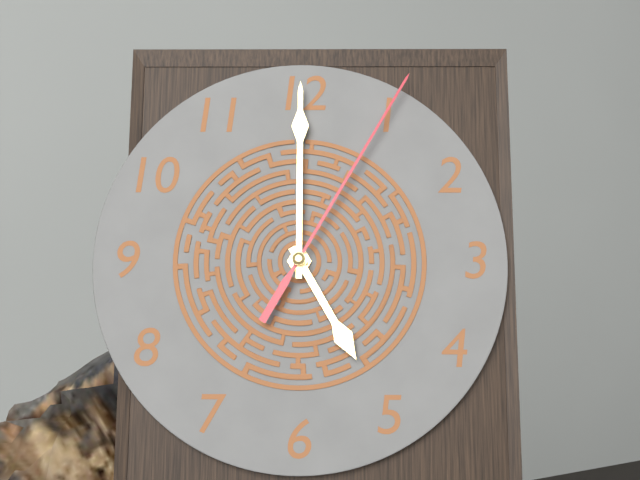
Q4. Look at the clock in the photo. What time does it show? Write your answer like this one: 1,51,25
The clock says 5,00,05
